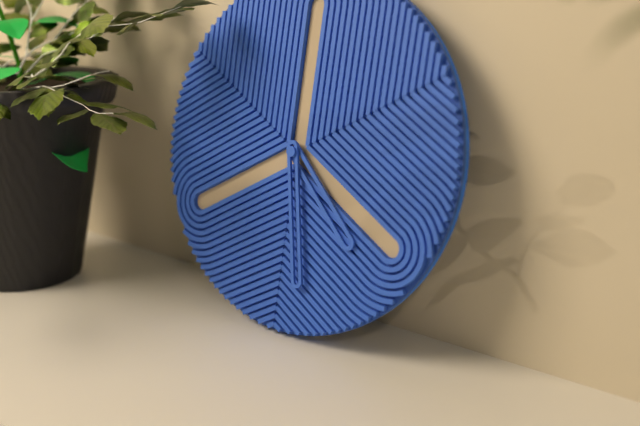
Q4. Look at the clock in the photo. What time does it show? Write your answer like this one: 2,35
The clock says 4,28
